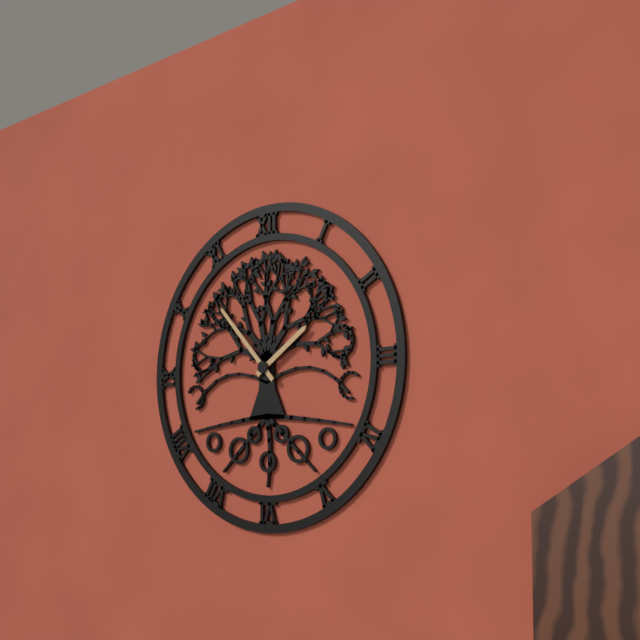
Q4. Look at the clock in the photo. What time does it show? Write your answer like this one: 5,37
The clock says 1,53
